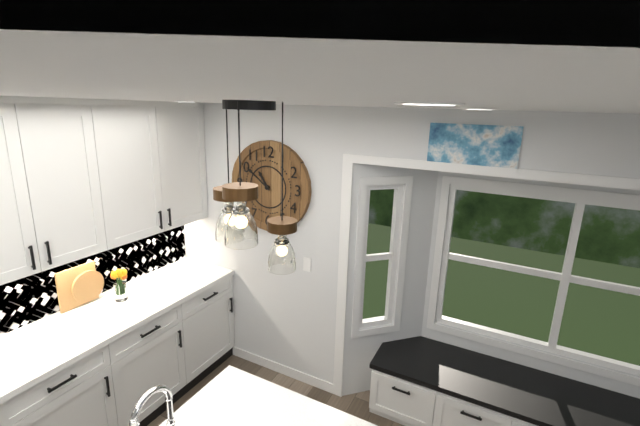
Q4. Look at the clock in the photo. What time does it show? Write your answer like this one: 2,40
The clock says 10,51
